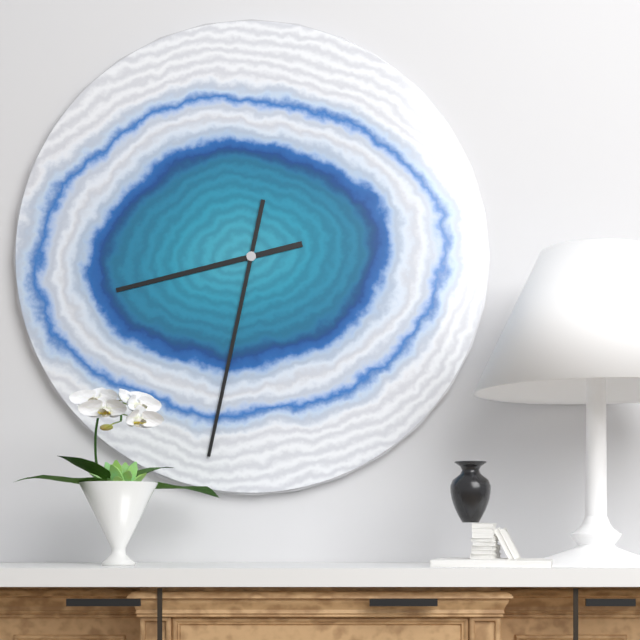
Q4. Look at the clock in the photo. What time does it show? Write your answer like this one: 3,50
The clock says 8,32
